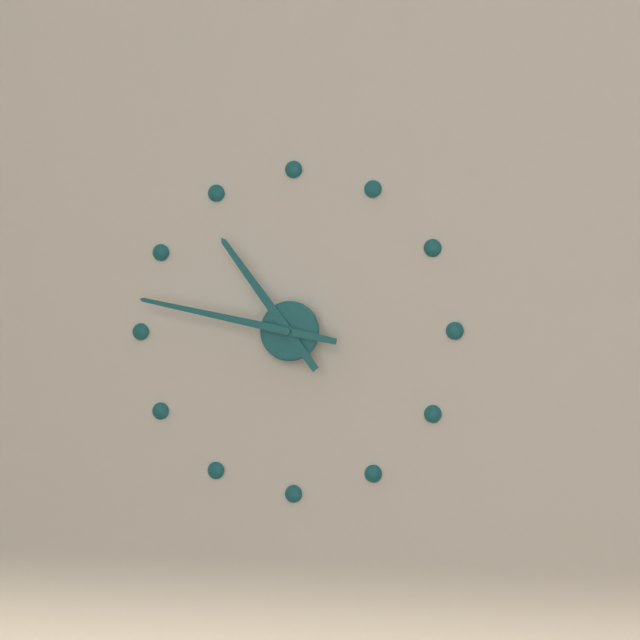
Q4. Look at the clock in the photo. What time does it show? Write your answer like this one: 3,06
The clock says 10,47
